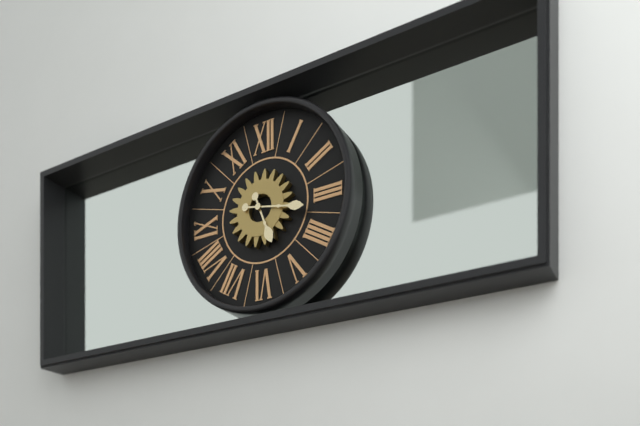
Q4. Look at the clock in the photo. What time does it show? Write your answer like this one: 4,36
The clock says 5,17
